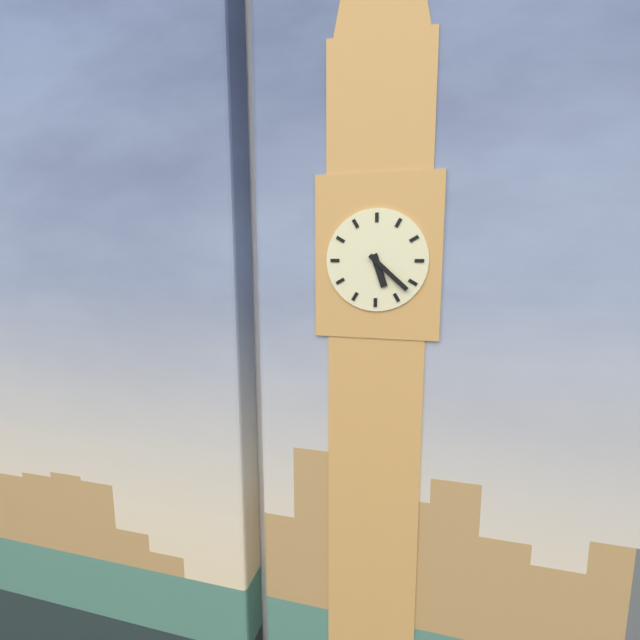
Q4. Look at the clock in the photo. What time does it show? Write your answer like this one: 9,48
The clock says 5,22
